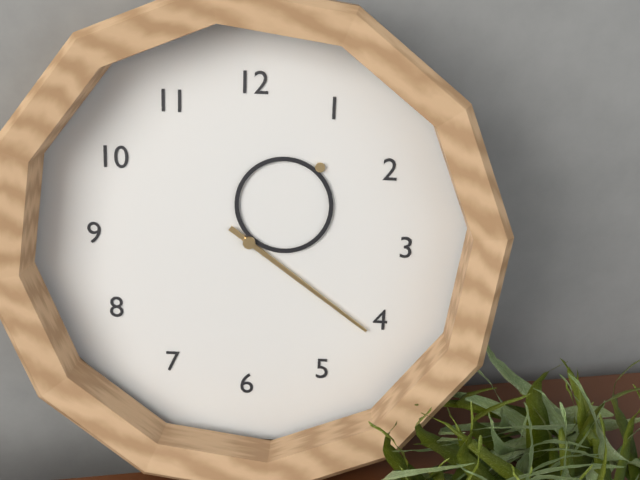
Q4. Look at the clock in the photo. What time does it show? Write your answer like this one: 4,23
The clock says 1,21
